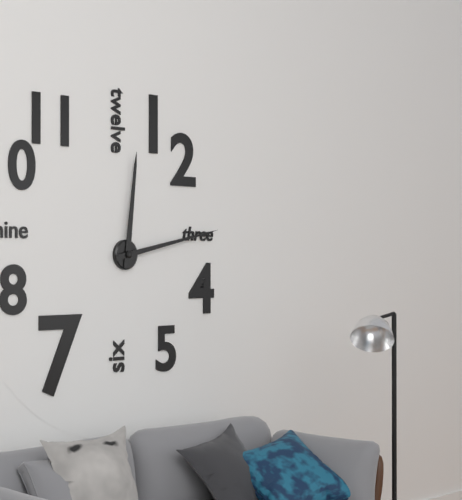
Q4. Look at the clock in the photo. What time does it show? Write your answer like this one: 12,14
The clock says 12,13
